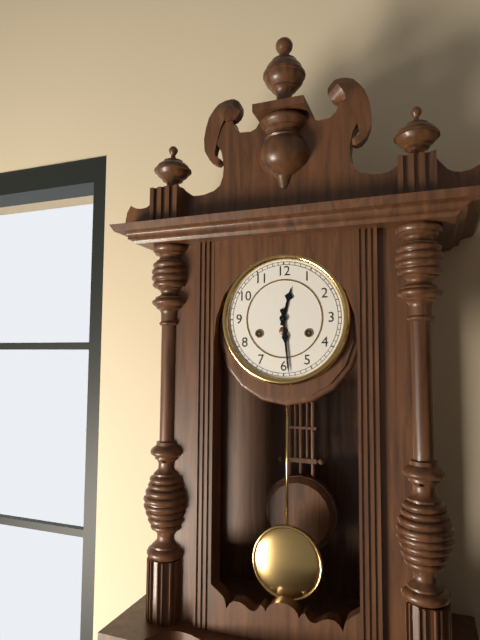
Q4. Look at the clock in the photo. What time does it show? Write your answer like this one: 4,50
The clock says 12,29
